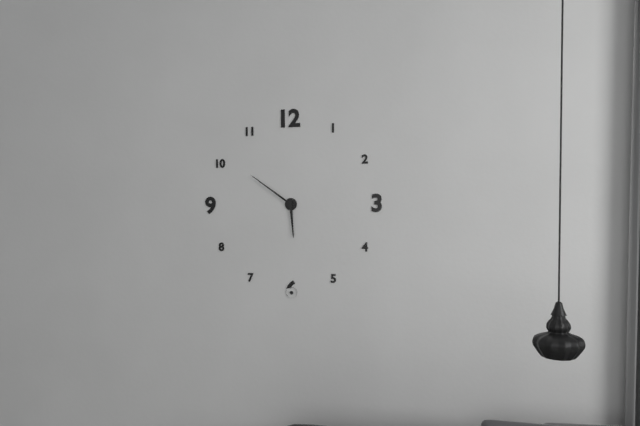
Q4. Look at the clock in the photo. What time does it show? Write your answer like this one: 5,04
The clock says 5,51
